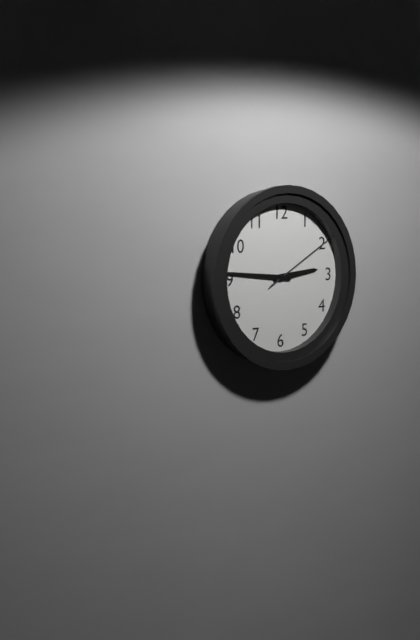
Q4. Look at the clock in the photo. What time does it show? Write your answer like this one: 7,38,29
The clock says 2,46,10
